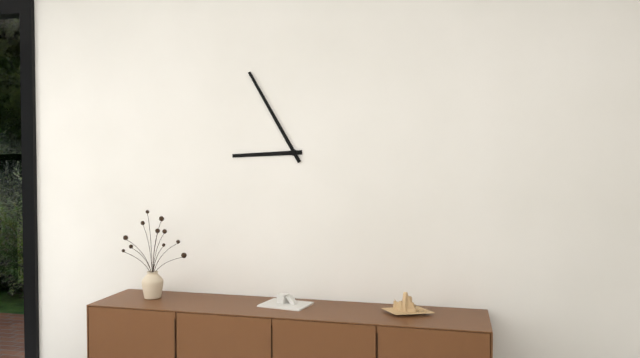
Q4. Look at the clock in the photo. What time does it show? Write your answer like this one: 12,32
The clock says 8,55
